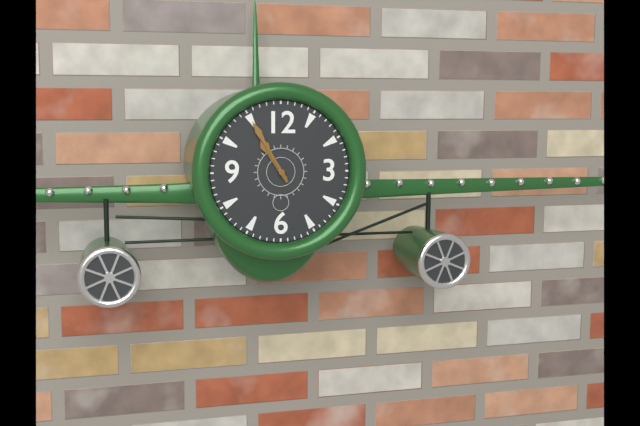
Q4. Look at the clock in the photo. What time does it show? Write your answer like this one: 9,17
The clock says 10,55
